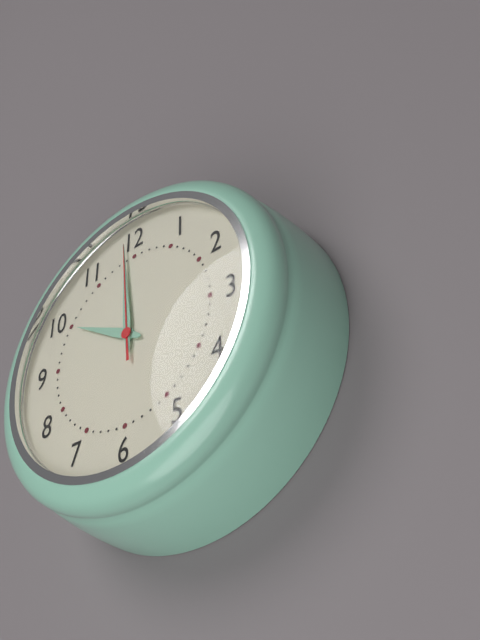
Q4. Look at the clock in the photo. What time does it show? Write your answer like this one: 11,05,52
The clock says 9,59,59
